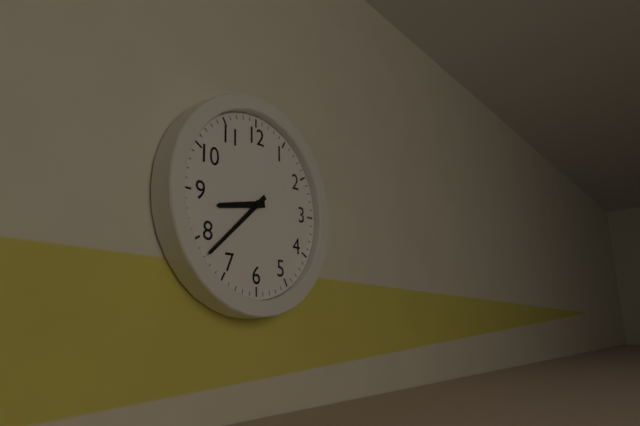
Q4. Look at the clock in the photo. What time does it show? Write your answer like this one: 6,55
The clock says 8,38
